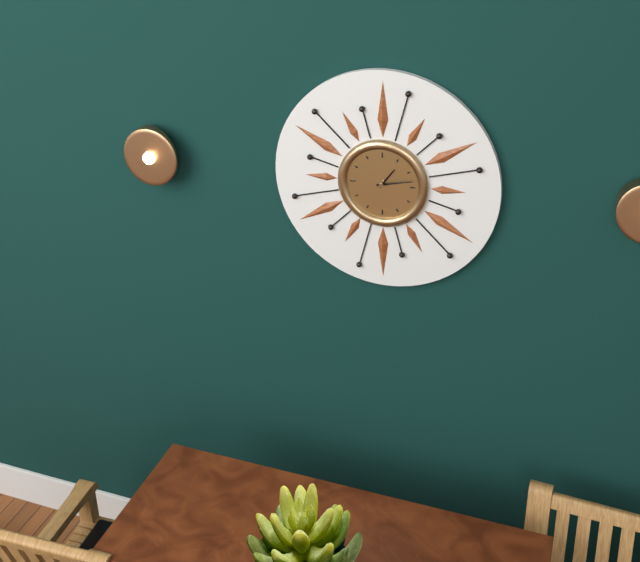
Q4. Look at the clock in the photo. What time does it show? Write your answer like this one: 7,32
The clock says 1,13
